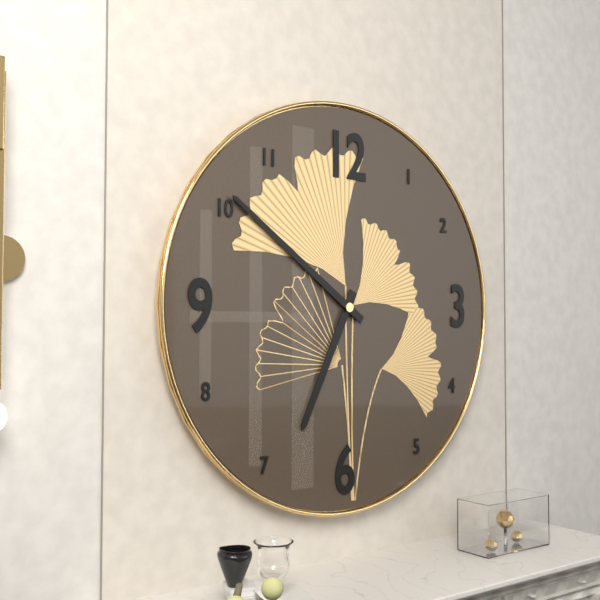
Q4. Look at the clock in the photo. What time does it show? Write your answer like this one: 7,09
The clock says 6,51
